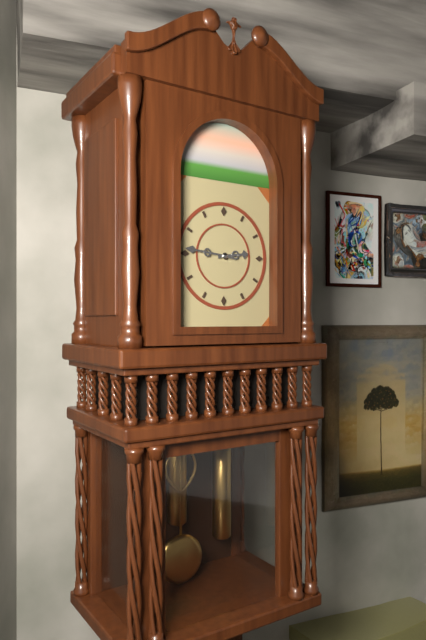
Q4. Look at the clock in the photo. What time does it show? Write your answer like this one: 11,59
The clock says 2,46
